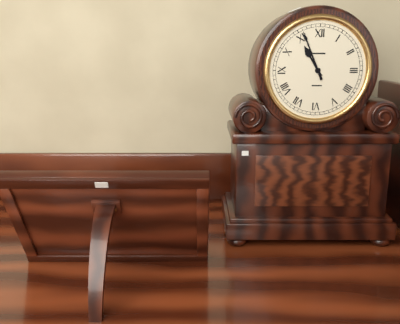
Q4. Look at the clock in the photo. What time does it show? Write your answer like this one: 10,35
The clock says 10,56
